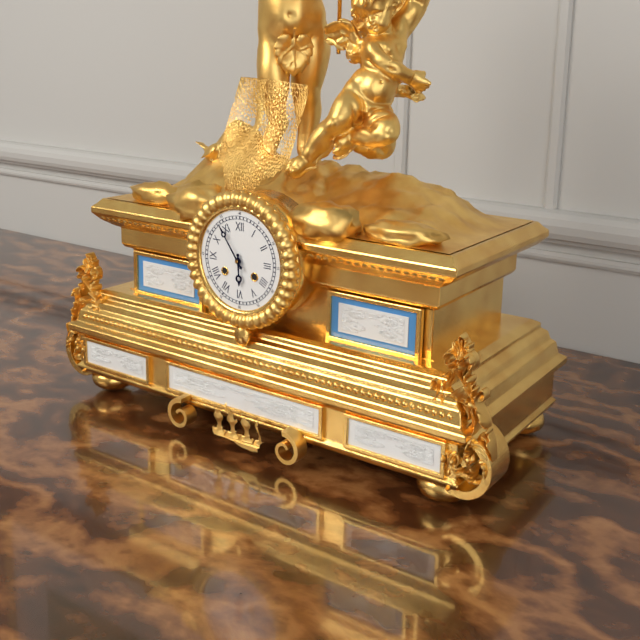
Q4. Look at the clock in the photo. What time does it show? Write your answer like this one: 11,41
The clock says 5,54
